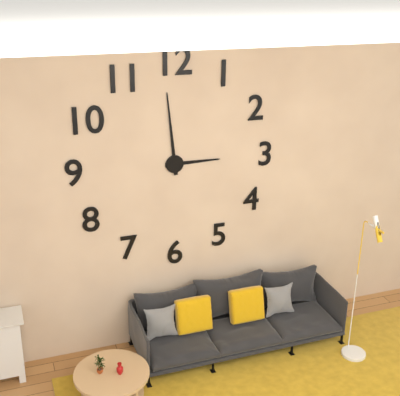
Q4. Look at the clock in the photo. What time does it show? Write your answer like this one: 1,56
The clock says 2,59
